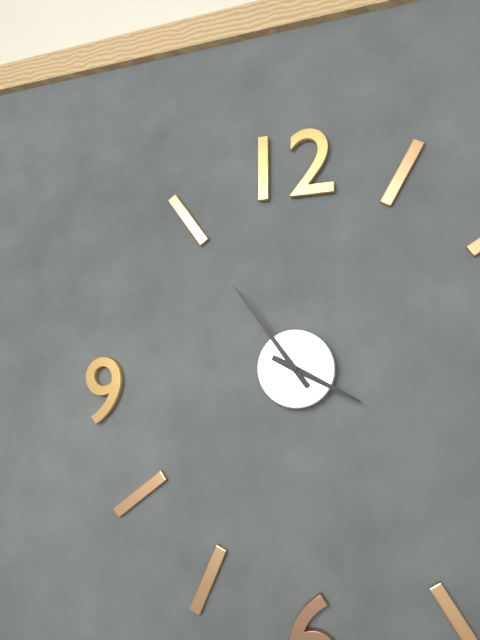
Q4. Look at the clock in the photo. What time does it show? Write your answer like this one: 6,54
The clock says 3,54
